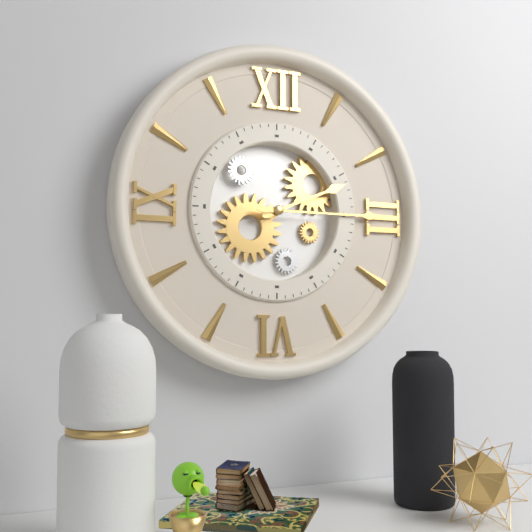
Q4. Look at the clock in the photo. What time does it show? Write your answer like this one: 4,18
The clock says 2,15
